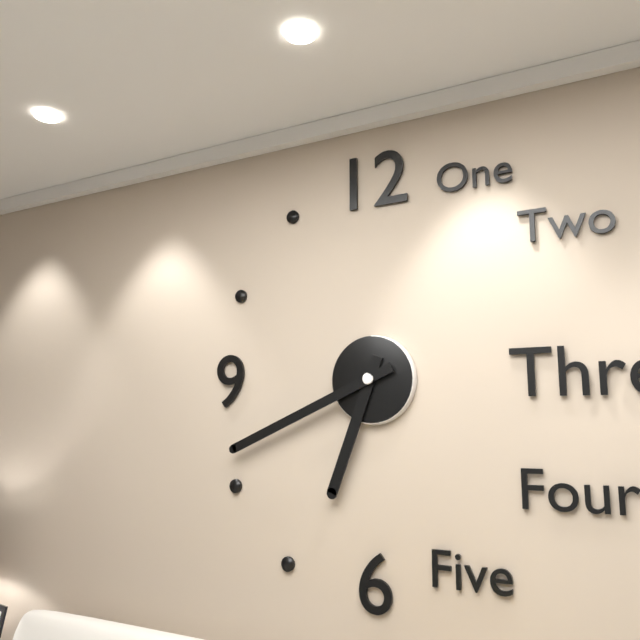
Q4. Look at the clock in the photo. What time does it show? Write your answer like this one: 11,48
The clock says 6,41
